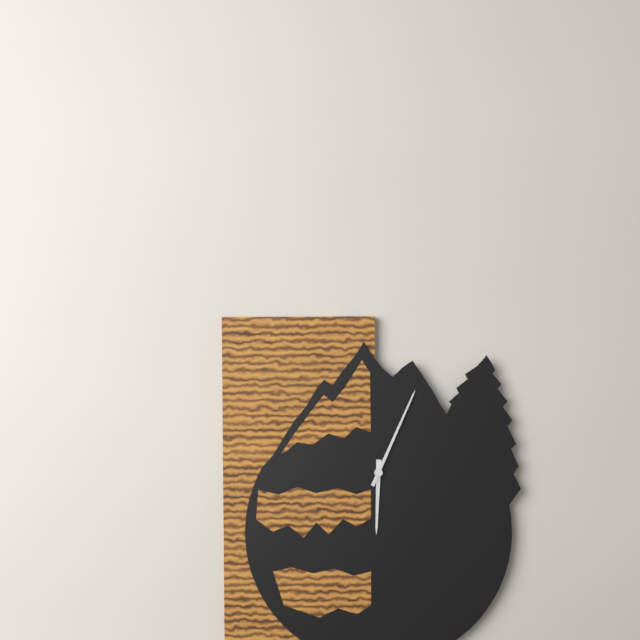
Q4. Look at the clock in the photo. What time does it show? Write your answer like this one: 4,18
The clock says 6,04
